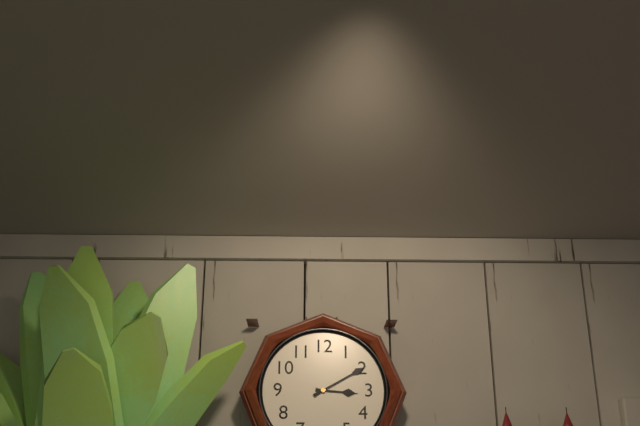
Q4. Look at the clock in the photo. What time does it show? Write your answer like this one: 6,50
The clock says 3,10
